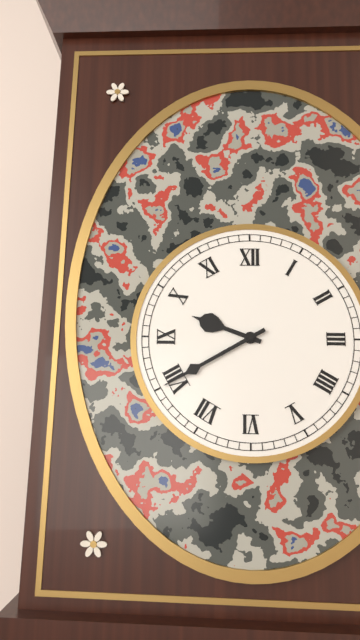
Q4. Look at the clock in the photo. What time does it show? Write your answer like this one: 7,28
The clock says 9,40
